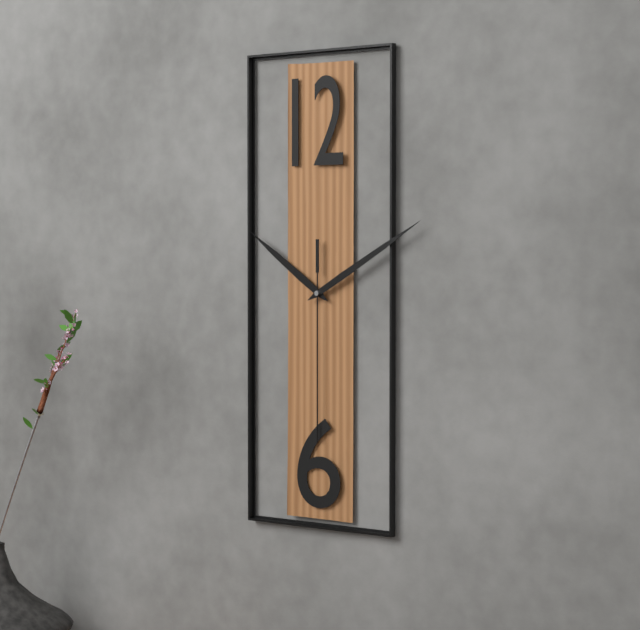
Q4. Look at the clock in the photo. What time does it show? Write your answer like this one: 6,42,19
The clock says 10,10,30
